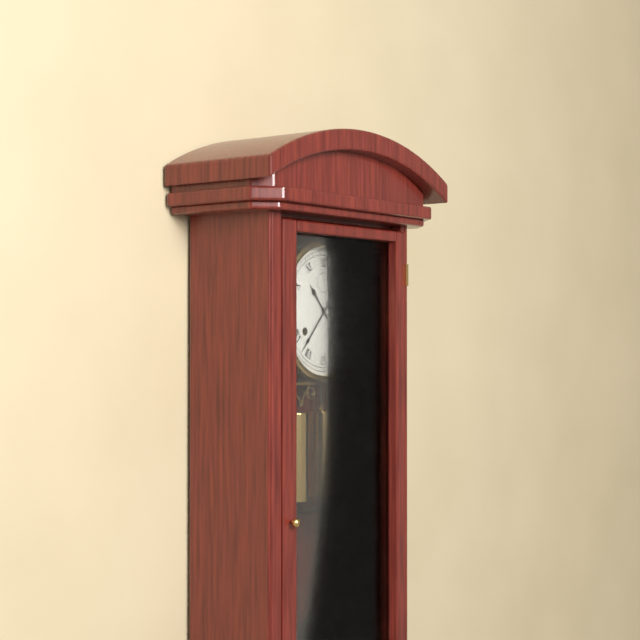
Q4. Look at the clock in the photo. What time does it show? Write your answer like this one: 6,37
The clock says 10,37
